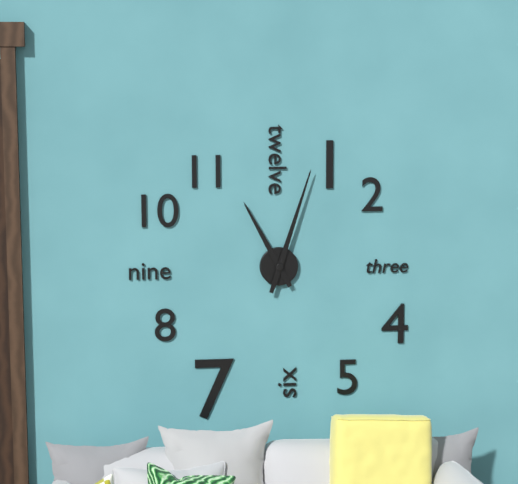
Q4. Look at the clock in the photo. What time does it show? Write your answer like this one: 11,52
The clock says 11,03
